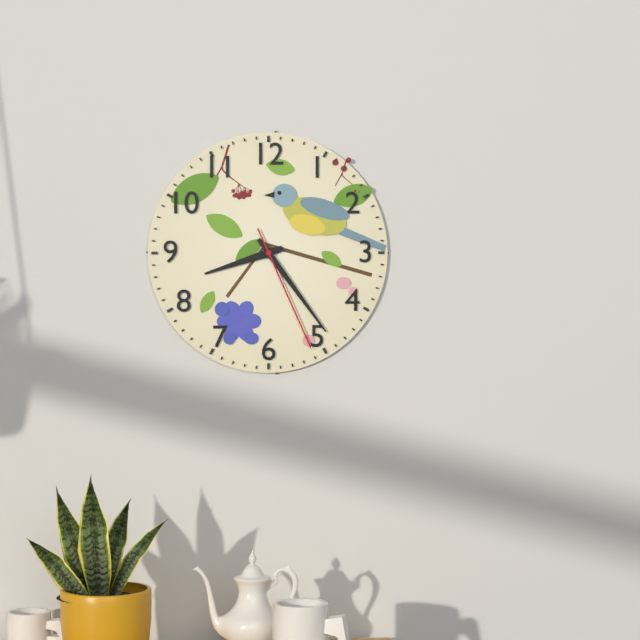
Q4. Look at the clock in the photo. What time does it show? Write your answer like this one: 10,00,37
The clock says 8,24,26
